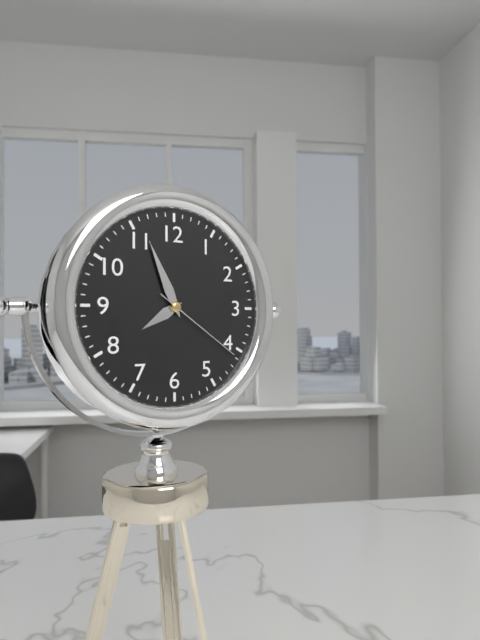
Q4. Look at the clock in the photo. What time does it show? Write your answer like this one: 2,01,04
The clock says 7,56,21
